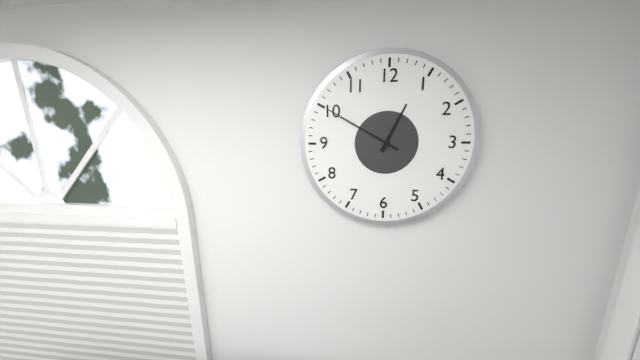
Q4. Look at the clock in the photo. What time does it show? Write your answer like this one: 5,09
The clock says 12,50
